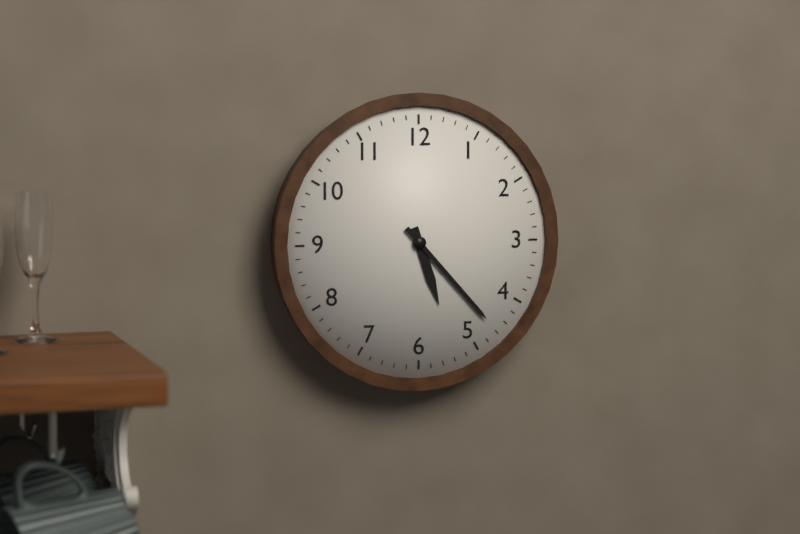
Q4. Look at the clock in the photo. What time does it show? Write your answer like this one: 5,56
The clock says 5,23
